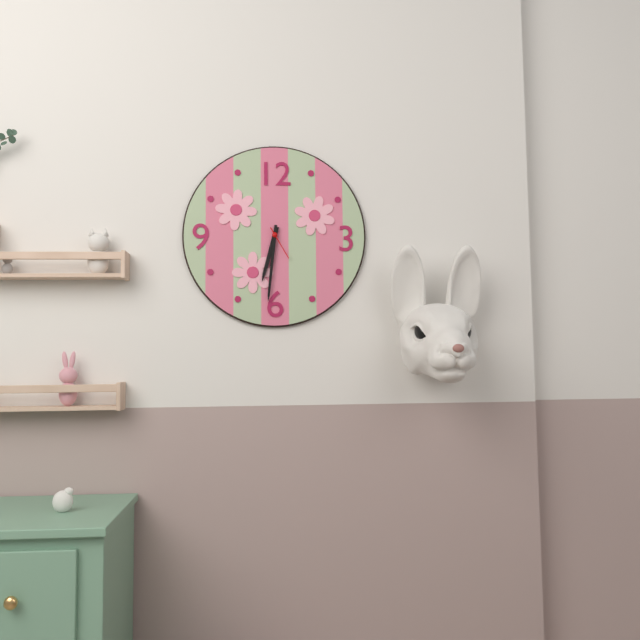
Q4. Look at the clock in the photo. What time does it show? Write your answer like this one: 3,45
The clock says 6,31
